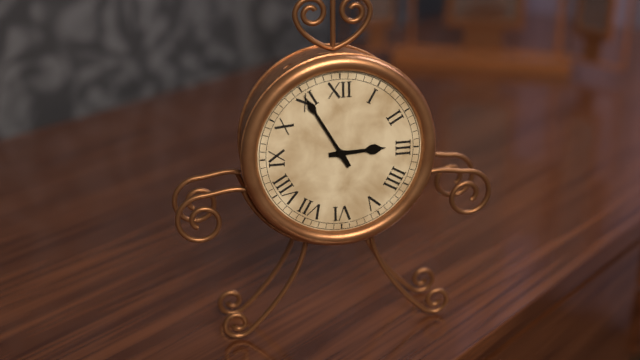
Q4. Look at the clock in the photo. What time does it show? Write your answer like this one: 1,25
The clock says 2,55
